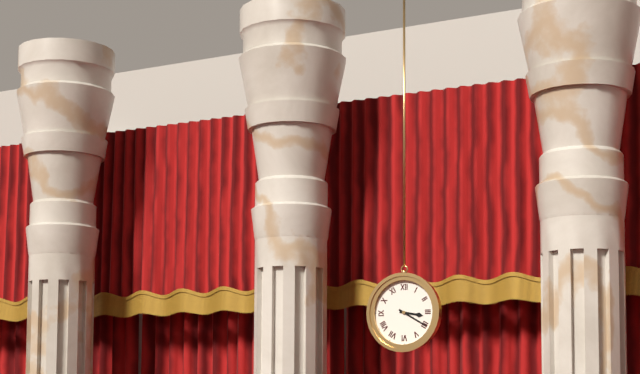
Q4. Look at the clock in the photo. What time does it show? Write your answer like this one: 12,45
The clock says 3,20
